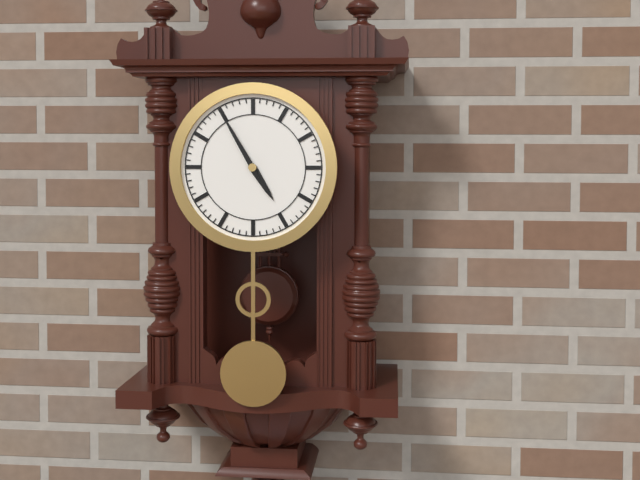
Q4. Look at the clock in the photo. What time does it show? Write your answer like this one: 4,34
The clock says 4,55
